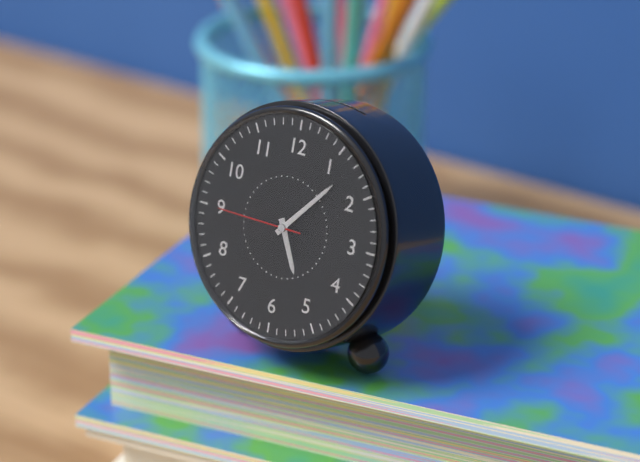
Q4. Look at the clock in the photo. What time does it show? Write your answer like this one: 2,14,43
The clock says 5,07,45
